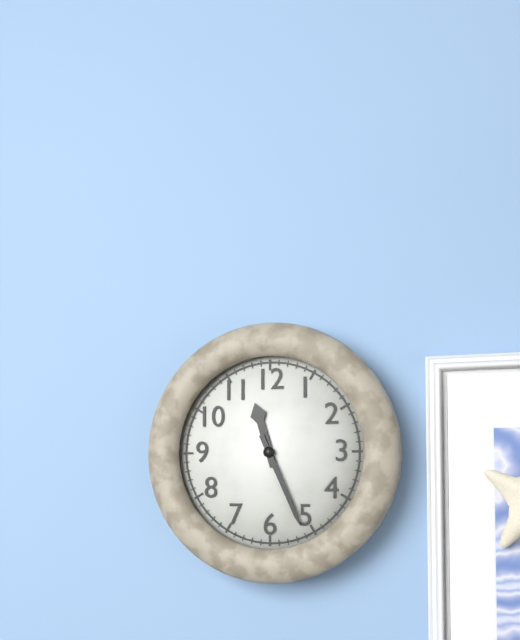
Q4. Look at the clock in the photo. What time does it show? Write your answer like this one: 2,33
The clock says 11,26
